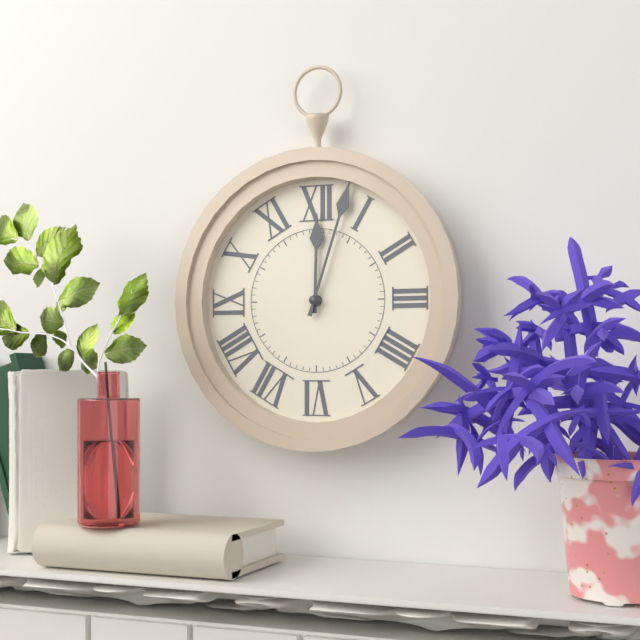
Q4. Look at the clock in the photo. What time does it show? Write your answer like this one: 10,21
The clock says 12,03
